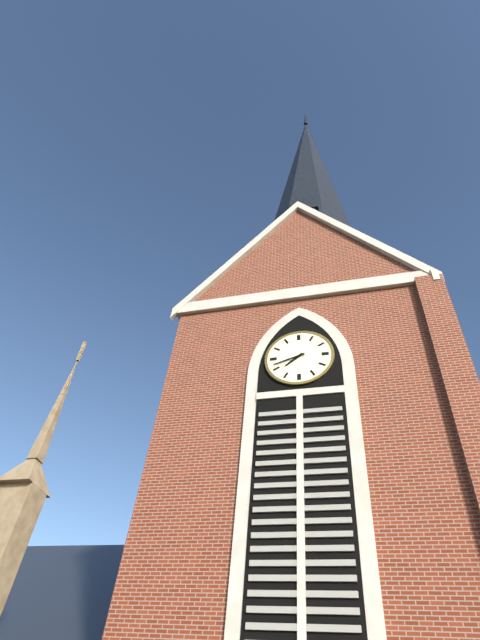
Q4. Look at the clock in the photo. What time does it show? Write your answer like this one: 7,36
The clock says 7,42
